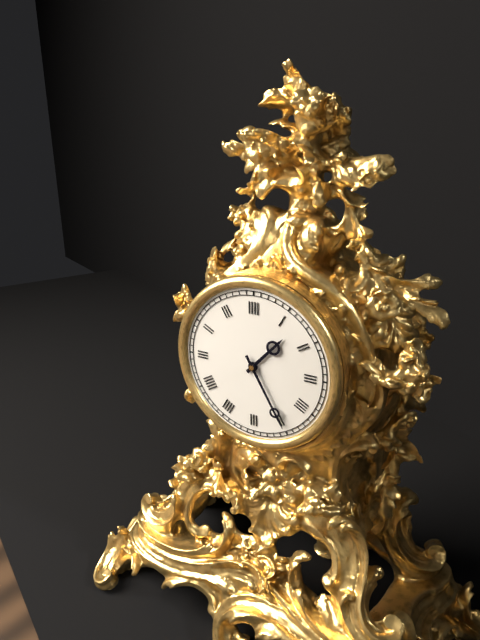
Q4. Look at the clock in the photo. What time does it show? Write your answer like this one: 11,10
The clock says 1,25
